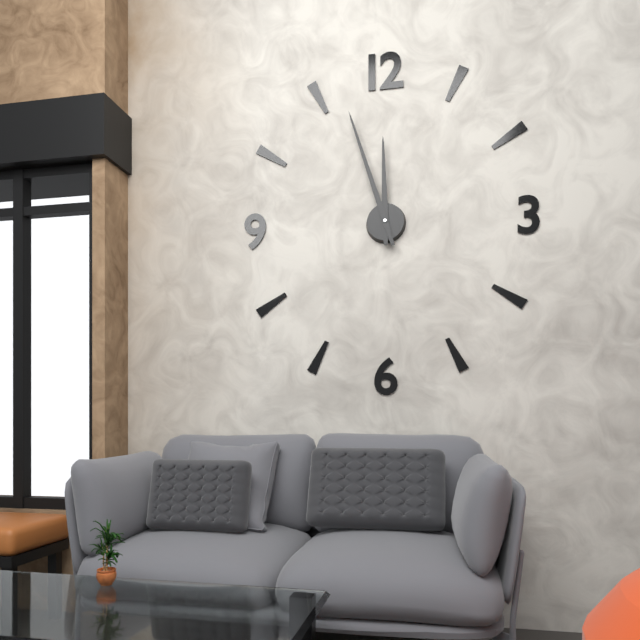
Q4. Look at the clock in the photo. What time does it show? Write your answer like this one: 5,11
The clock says 11,57
